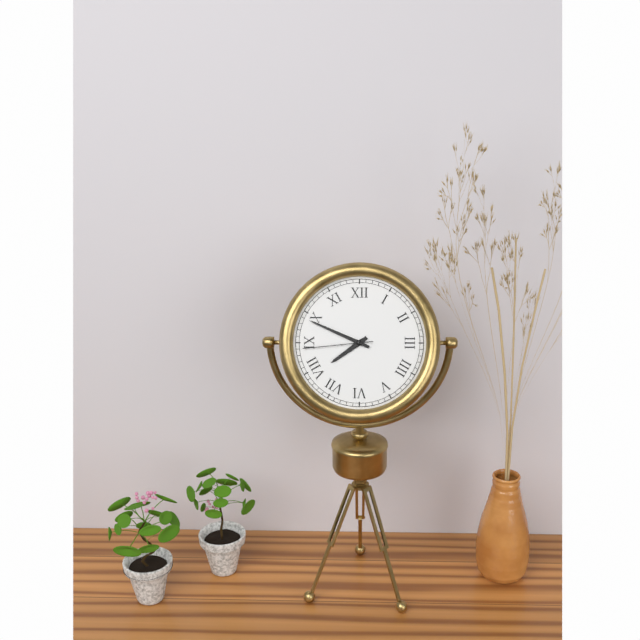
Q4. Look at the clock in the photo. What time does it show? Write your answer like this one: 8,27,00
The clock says 7,49,44
